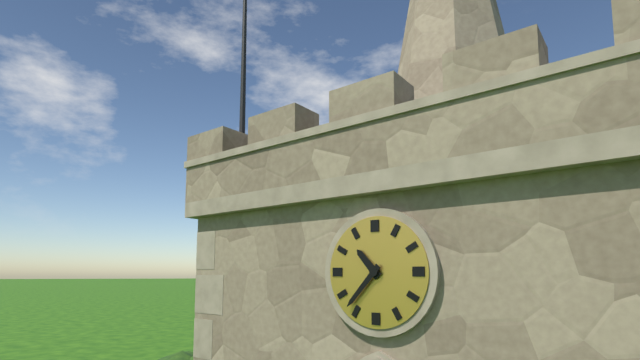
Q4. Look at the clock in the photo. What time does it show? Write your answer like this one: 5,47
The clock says 10,37
